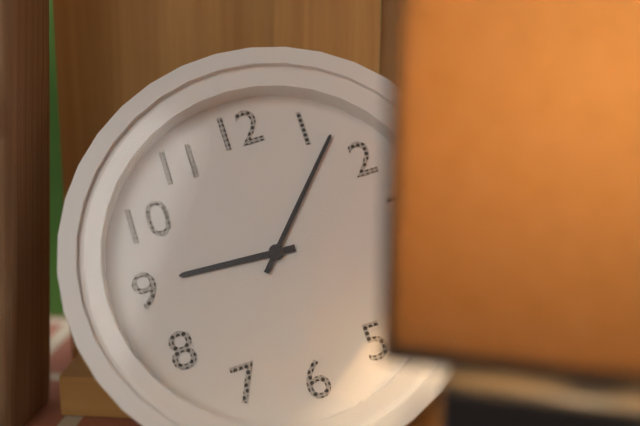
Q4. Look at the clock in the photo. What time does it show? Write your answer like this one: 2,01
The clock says 9,07
